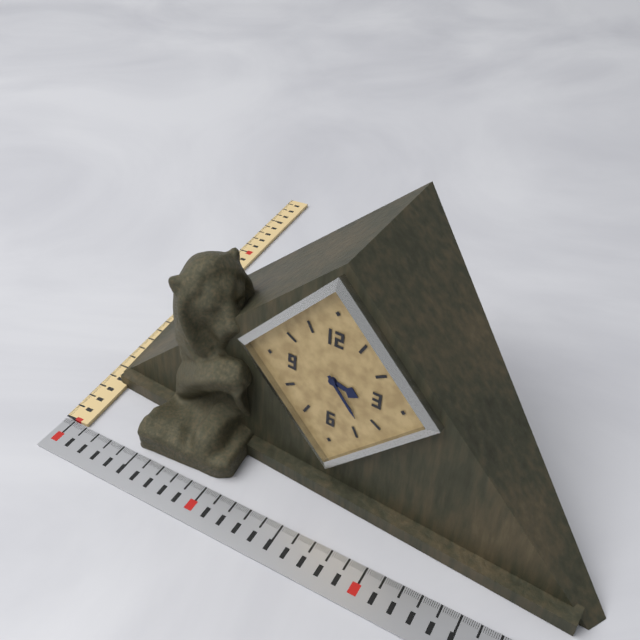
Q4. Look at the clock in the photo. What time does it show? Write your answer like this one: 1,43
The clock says 3,23
